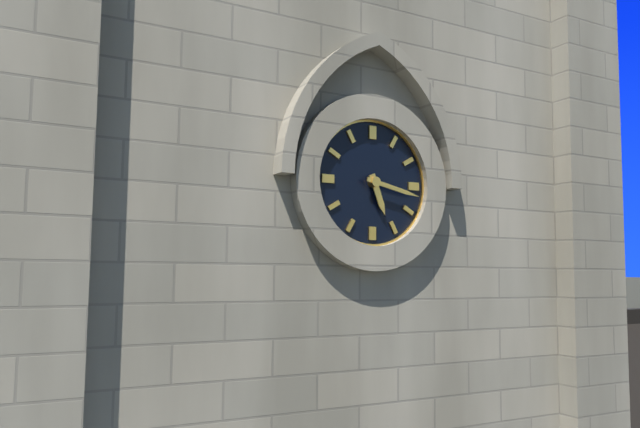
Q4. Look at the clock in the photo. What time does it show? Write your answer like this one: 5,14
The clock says 5,17
